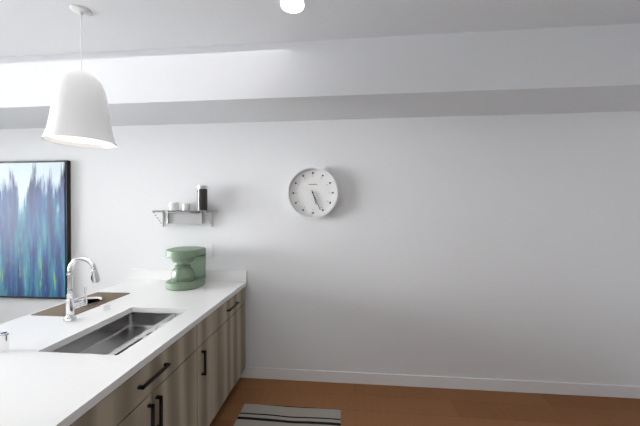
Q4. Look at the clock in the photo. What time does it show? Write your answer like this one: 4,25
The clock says 5,26
